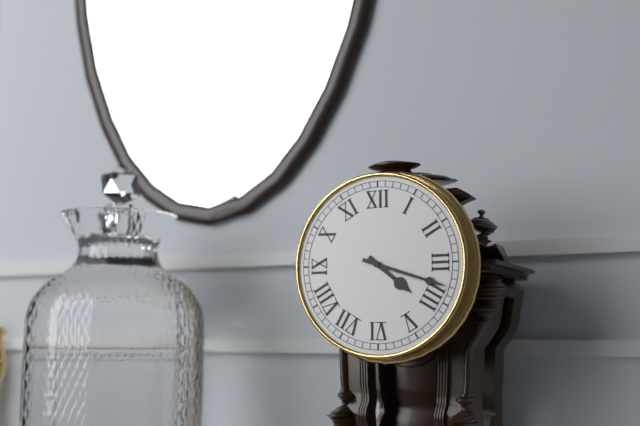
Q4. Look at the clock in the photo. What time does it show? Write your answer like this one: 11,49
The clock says 4,18
